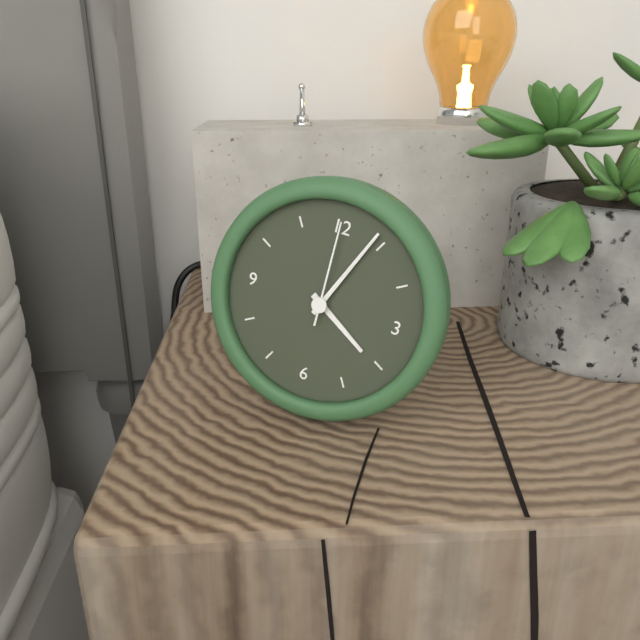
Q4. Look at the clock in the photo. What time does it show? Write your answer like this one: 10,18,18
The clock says 4,04,00
